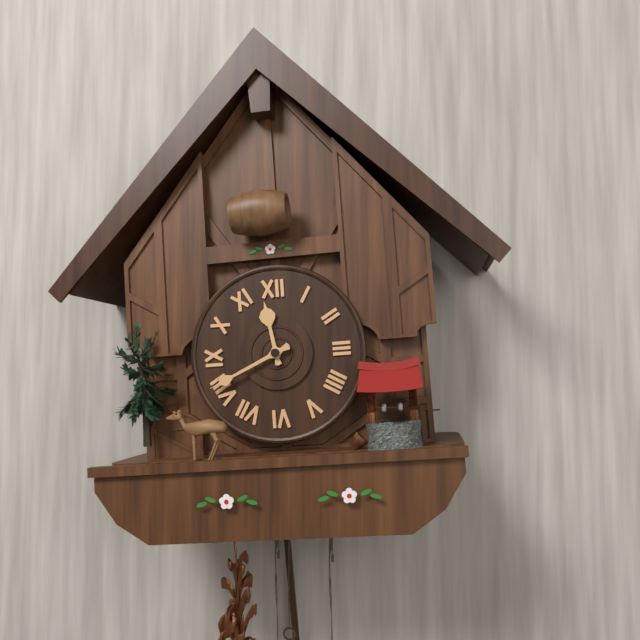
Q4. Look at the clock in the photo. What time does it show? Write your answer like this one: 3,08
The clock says 11,41
